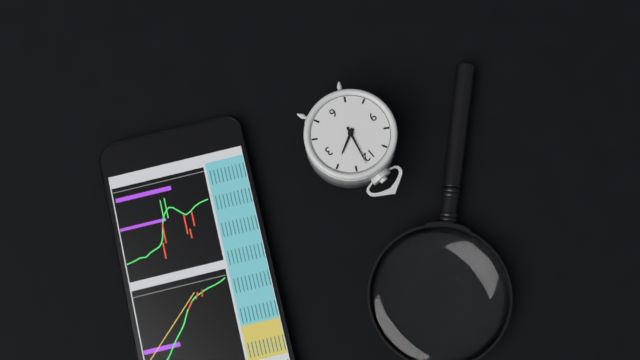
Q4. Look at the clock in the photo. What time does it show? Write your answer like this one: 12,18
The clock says 2,02
